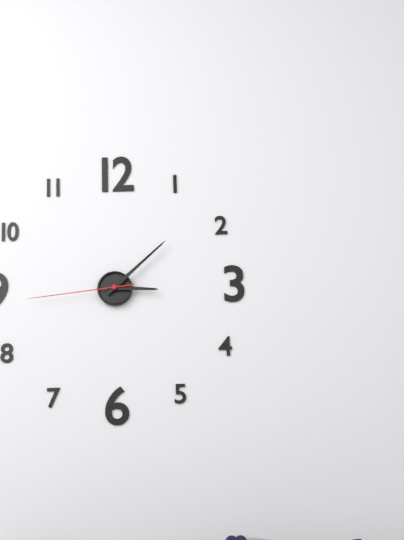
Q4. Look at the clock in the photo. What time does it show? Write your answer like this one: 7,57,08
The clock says 3,08,44
